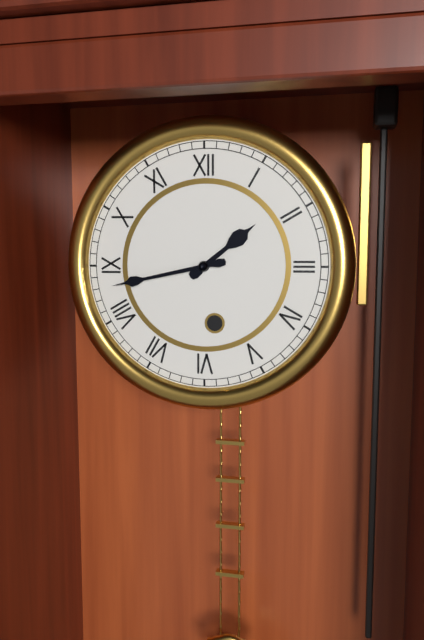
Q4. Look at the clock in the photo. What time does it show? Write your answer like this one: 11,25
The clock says 1,43
